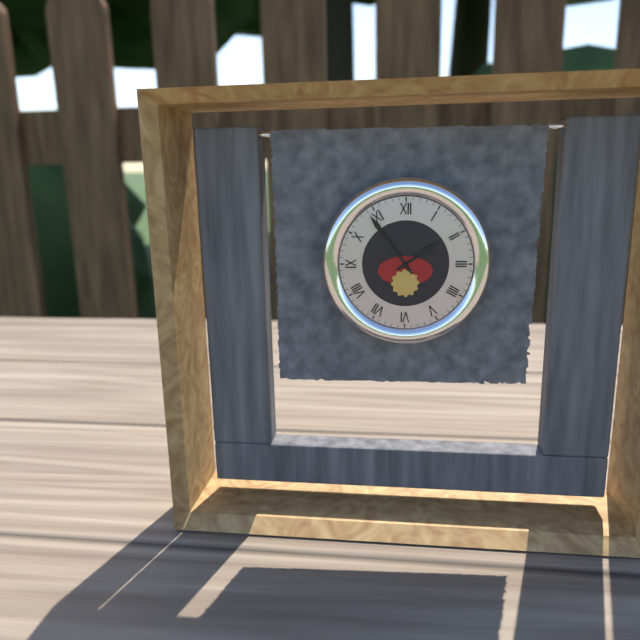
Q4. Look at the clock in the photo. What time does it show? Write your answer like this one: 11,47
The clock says 1,54
